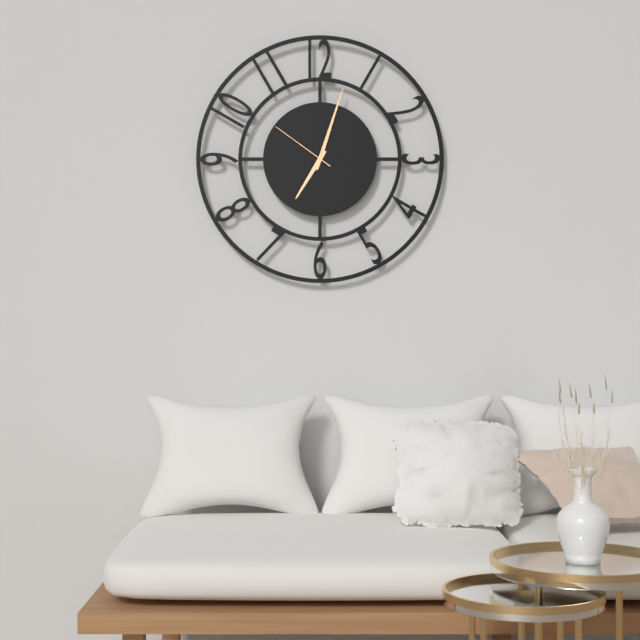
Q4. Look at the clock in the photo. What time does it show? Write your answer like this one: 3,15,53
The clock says 7,03,51
